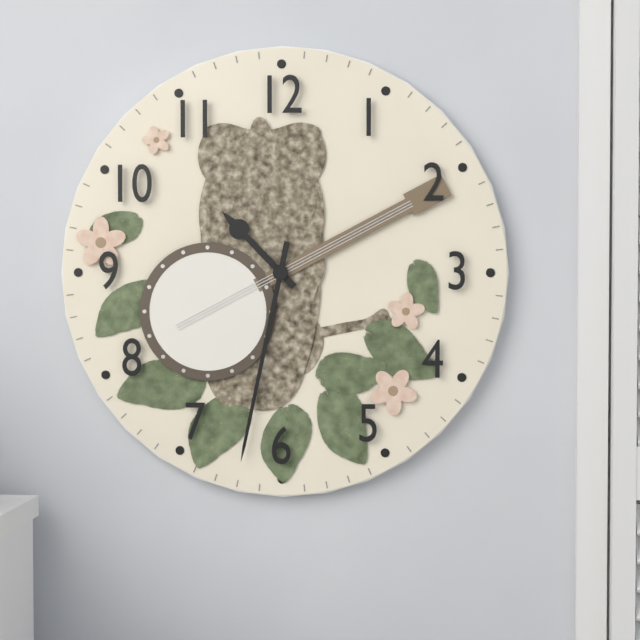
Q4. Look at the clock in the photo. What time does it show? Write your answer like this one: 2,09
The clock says 10,32
